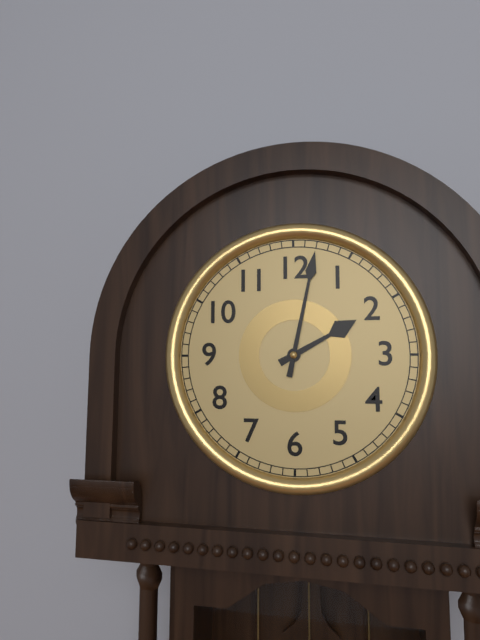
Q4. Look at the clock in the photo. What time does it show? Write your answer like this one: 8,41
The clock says 2,02
